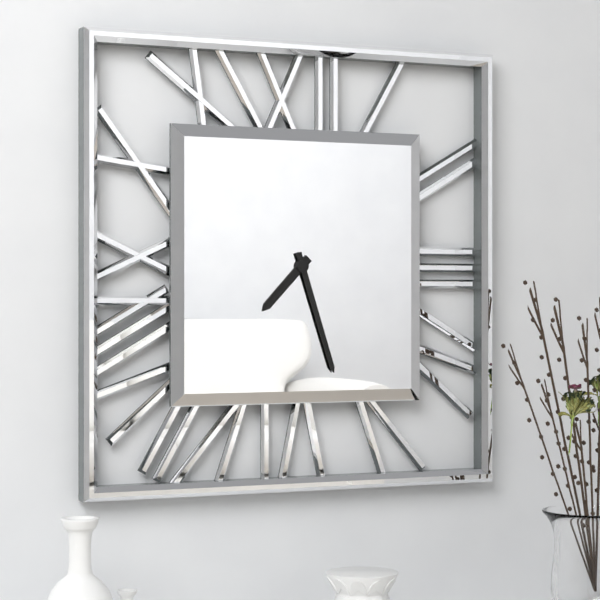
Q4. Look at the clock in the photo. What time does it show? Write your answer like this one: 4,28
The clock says 7,27
